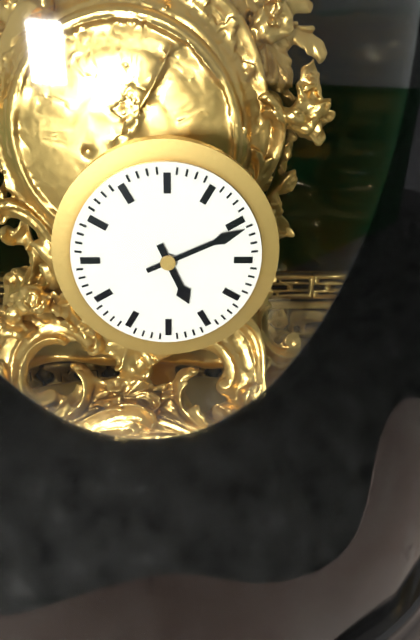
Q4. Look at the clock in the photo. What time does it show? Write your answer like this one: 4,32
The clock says 5,11
